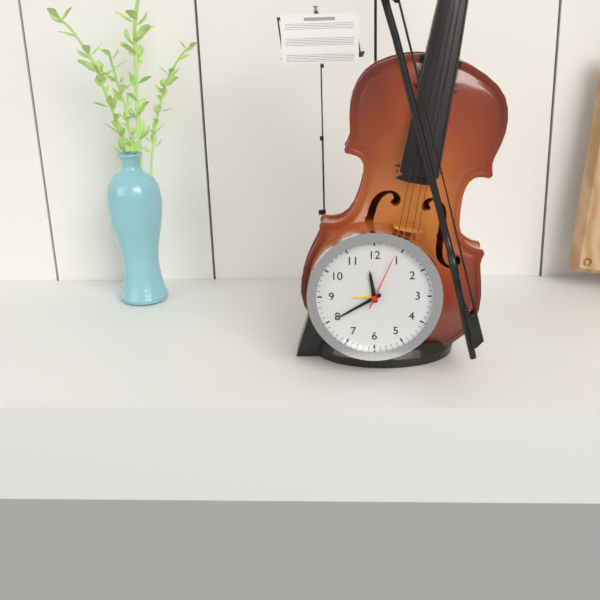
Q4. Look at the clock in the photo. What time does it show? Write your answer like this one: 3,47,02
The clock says 11,40,04
